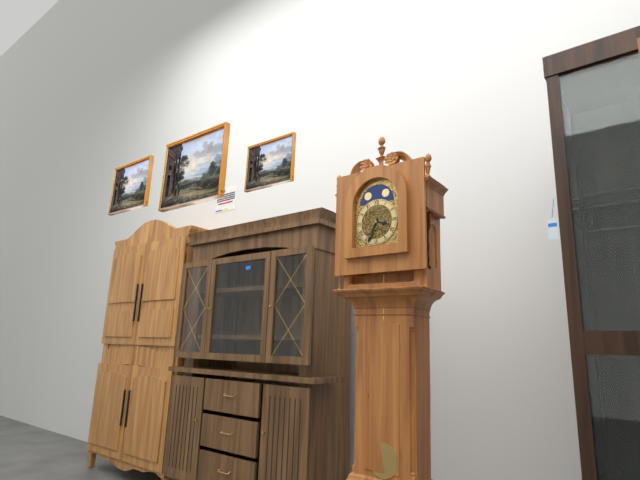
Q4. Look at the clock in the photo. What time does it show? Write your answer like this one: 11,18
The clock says 3,34
